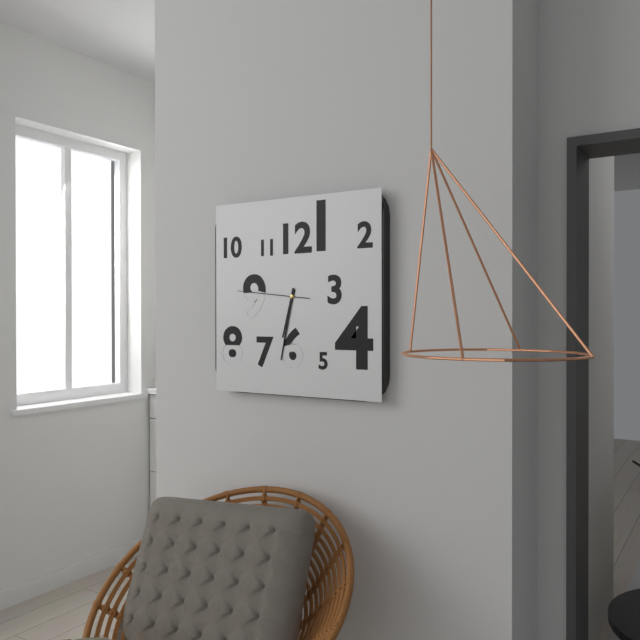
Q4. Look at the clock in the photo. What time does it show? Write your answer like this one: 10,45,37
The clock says 6,32,46
